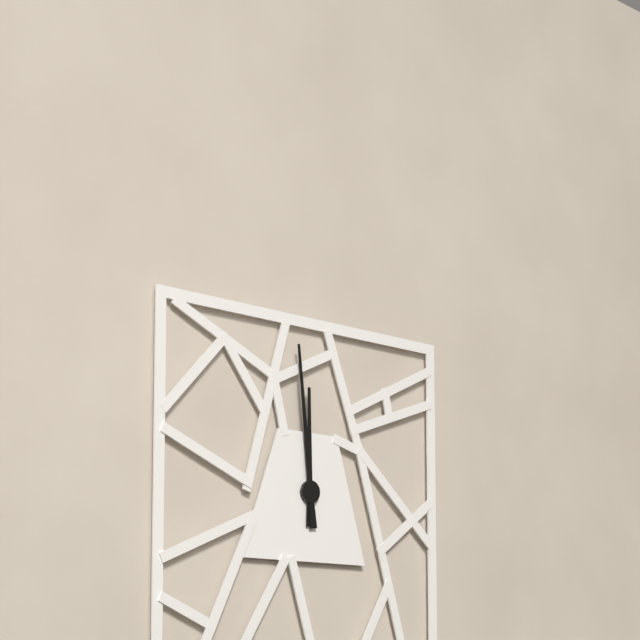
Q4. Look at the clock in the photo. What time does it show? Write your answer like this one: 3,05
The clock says 11,59
